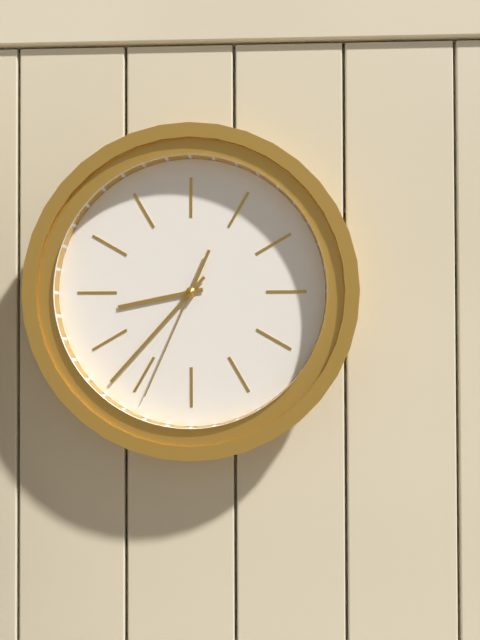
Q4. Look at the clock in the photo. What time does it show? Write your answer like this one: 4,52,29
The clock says 8,37,34
